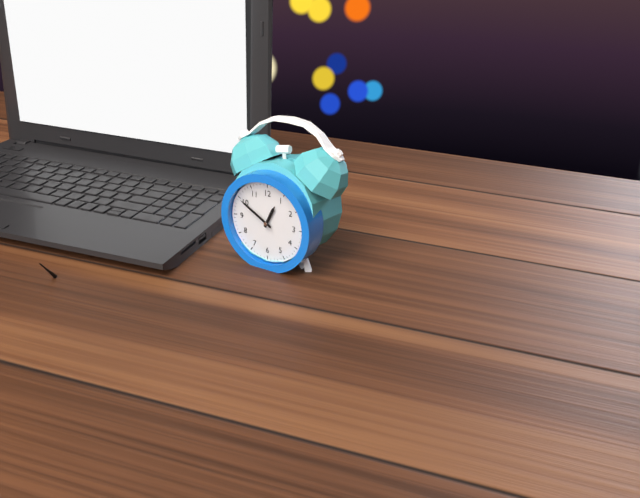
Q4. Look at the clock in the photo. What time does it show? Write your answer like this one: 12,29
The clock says 12,50
